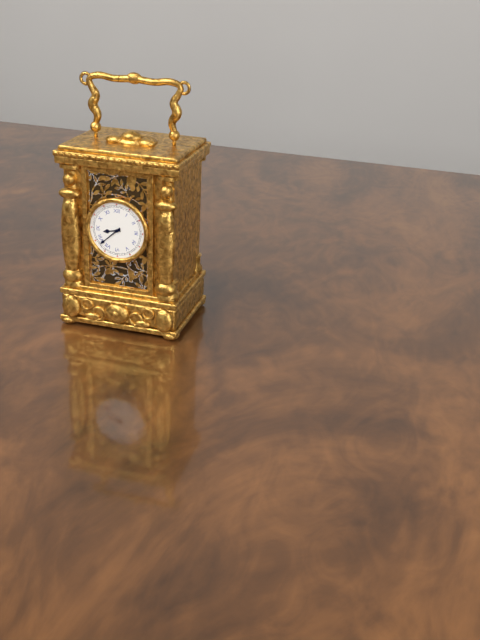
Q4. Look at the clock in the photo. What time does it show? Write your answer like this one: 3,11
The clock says 8,38
